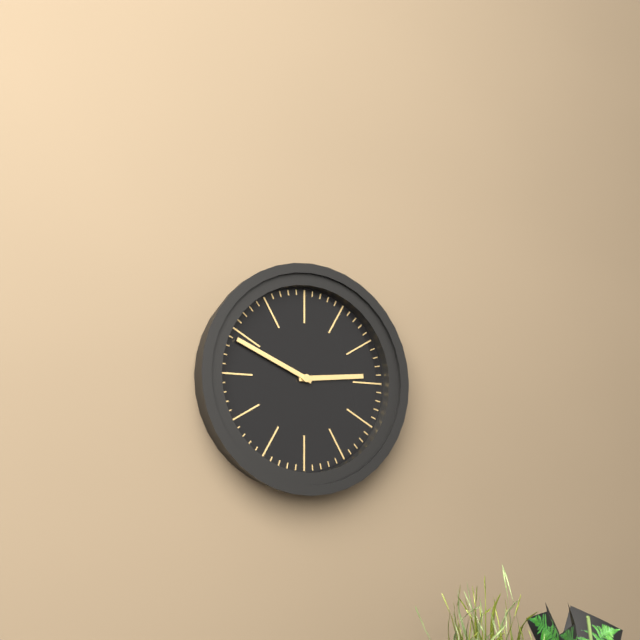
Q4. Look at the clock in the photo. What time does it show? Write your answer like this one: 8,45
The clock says 2,49
